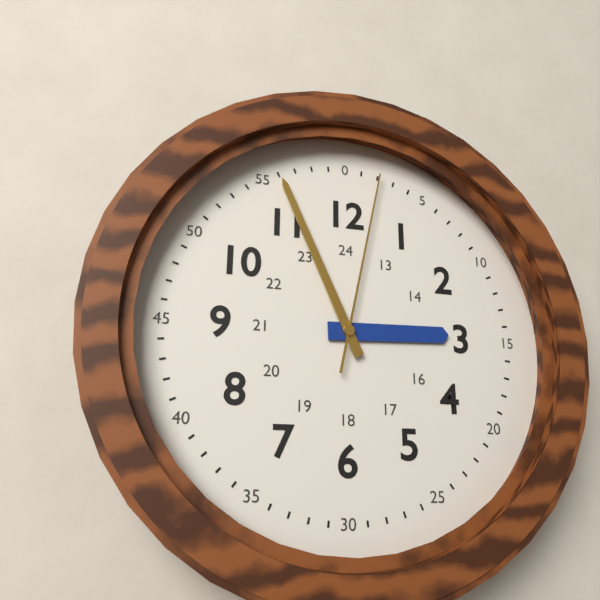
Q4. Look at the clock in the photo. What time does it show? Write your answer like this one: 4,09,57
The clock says 2,56,02
